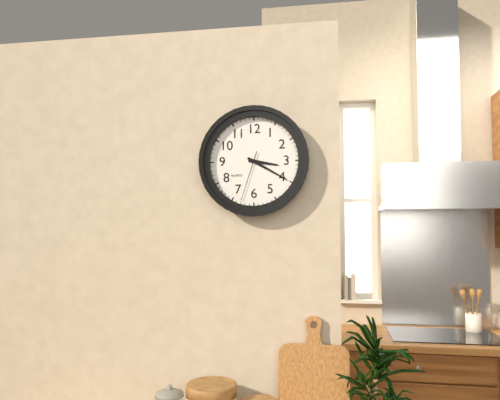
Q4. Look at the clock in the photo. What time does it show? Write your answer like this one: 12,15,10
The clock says 3,20,33
